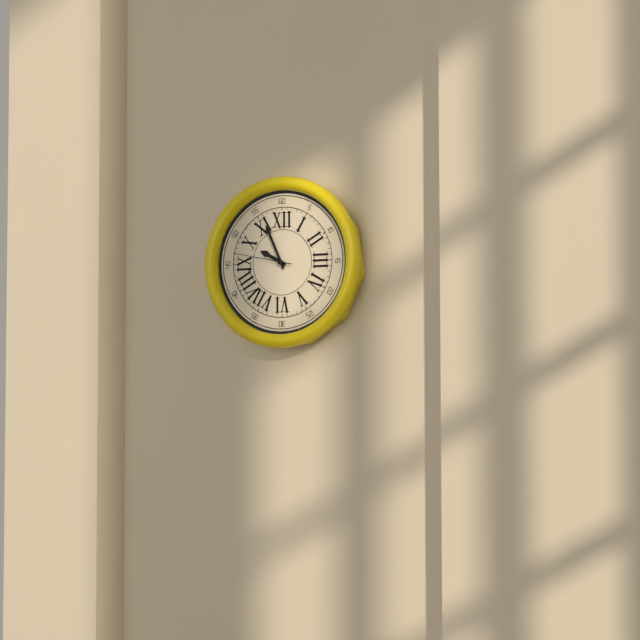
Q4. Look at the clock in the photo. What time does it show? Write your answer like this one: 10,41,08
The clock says 9,56,47
